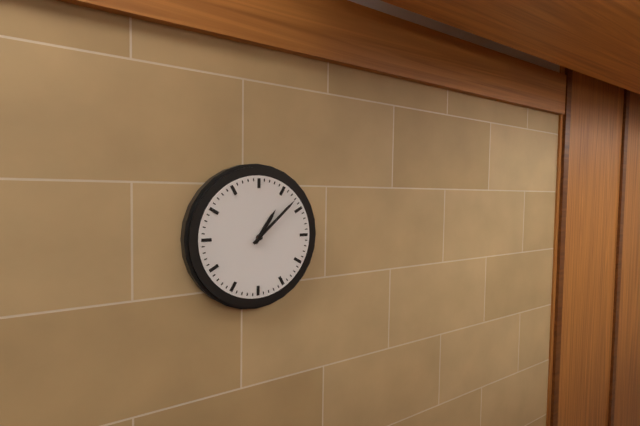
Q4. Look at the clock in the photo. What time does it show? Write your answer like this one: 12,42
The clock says 1,08
